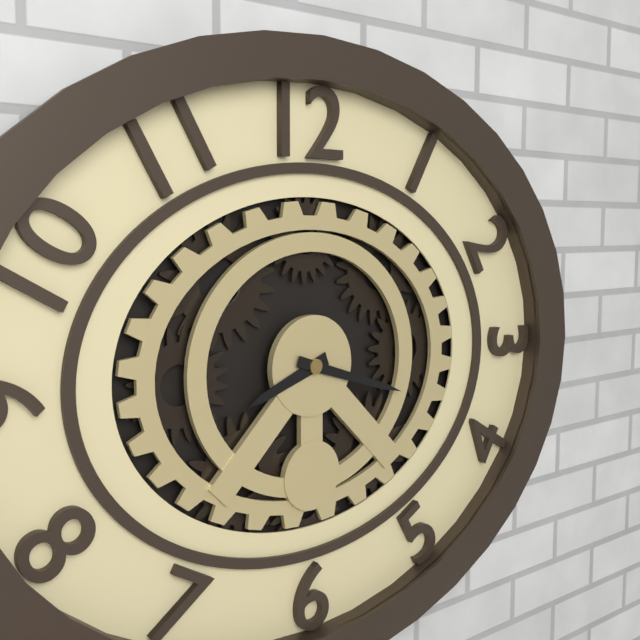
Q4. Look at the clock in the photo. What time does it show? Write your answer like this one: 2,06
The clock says 8,18
